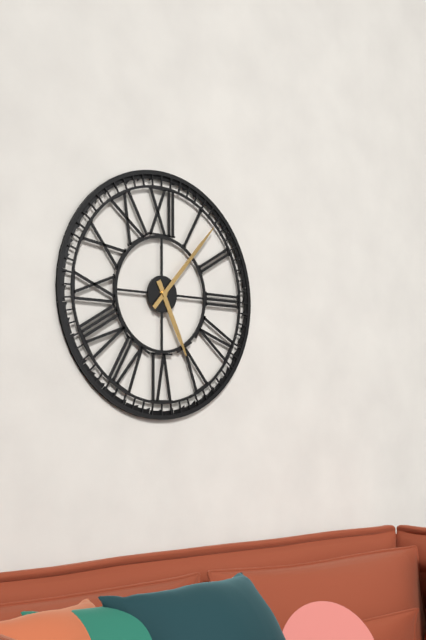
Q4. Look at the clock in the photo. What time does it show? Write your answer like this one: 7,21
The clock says 5,07
